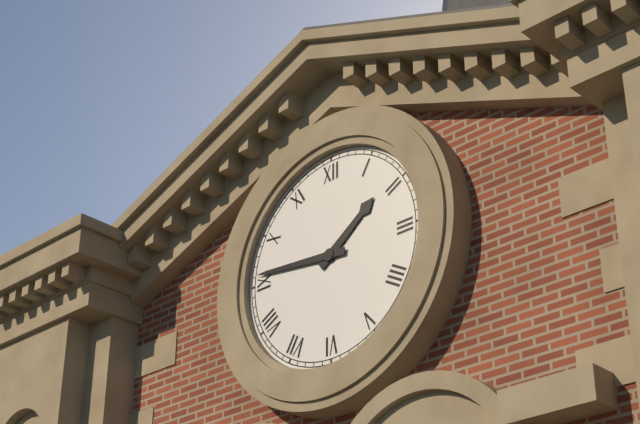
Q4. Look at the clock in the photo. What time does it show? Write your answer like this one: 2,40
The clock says 1,46
